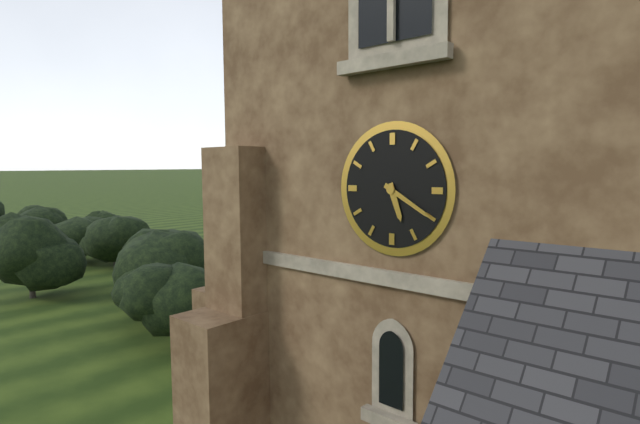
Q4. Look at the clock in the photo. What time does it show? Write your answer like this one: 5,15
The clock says 5,20
